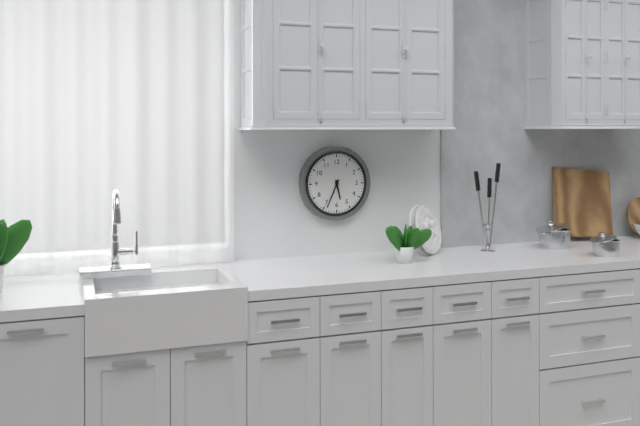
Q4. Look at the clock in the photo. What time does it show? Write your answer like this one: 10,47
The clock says 5,34
